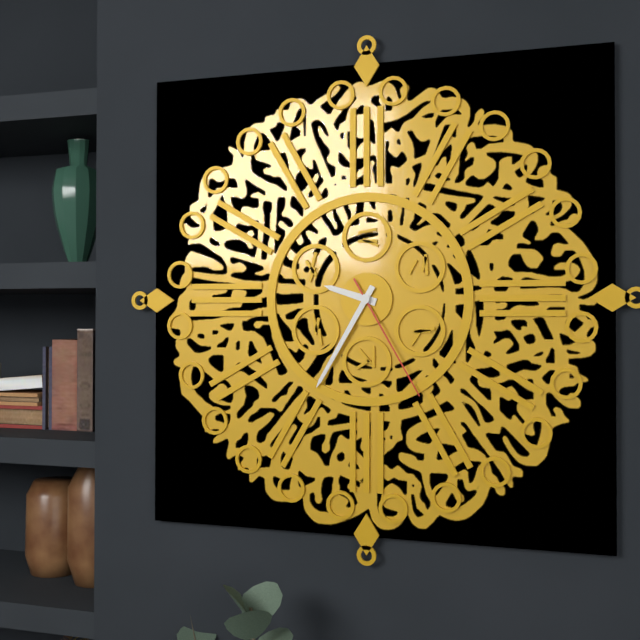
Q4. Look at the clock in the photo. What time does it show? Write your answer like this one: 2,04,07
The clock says 9,35,25
